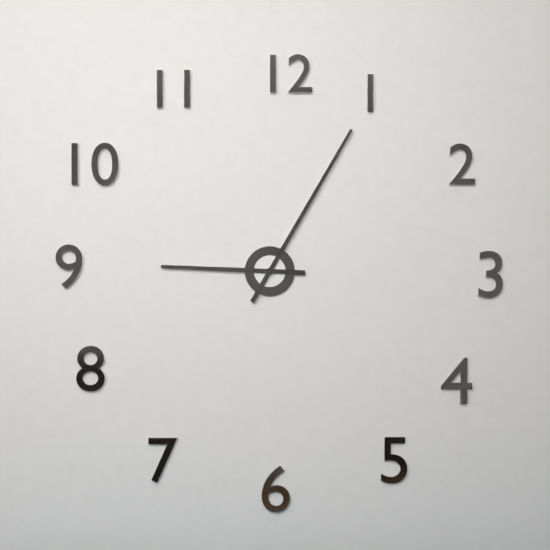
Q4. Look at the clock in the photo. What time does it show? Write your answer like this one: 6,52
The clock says 9,05
